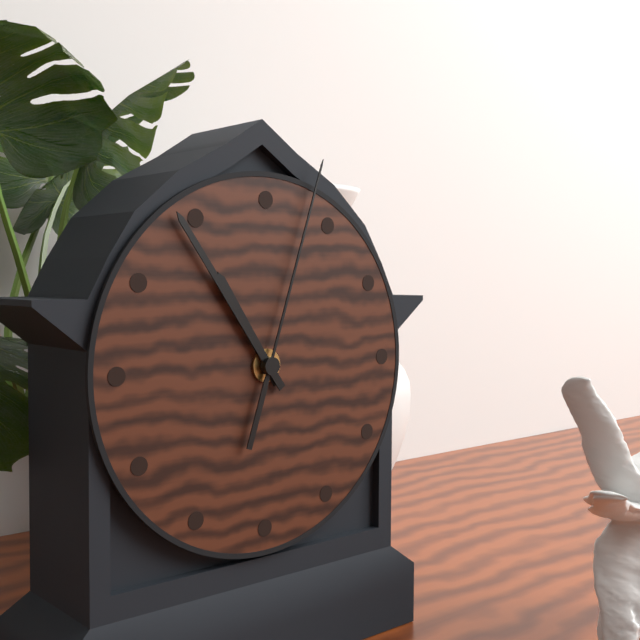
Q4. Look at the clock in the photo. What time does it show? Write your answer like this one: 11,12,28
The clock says 10,54,03
